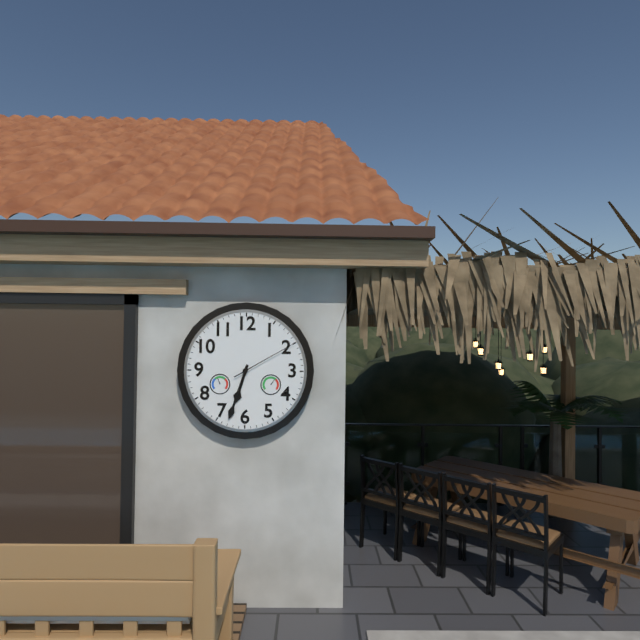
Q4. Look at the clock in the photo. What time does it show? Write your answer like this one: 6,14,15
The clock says 6,33,10
